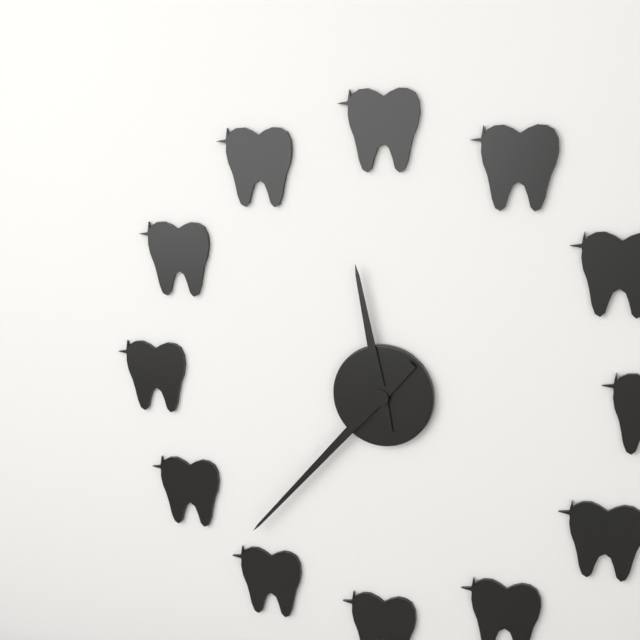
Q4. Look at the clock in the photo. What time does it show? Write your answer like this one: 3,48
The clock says 11,37
